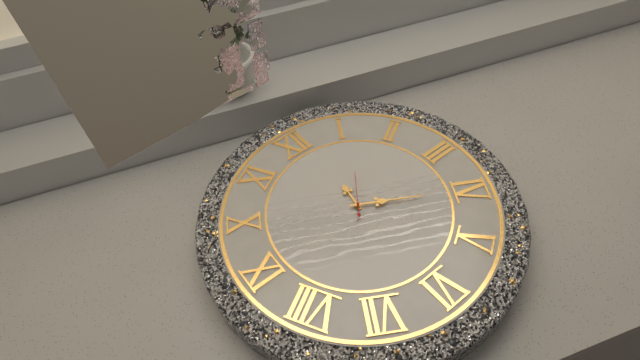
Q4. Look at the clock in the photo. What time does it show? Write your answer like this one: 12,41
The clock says 12,20
